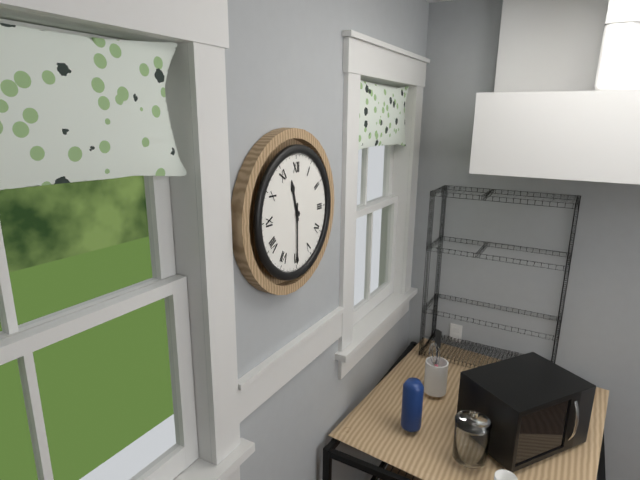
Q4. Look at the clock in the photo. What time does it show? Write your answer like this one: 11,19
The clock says 11,30
